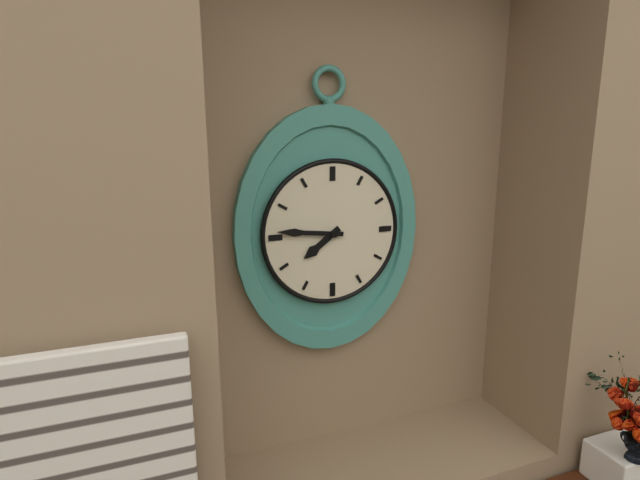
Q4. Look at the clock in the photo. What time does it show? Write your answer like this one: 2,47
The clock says 7,46
